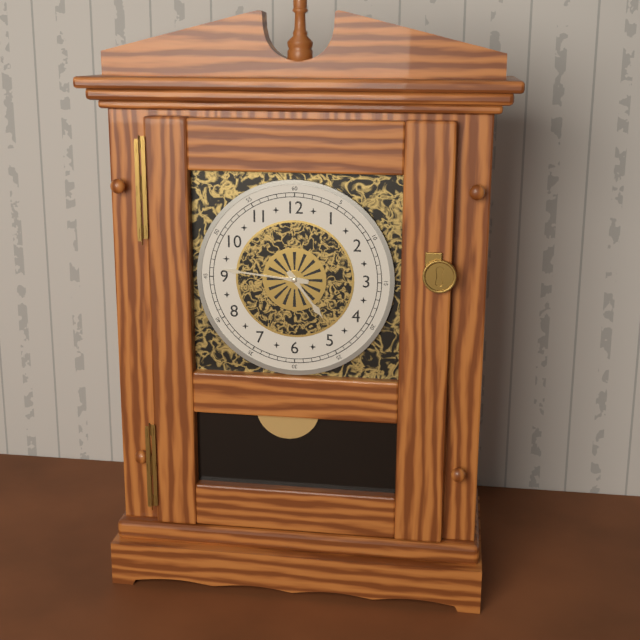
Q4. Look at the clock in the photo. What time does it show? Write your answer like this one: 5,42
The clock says 4,46
